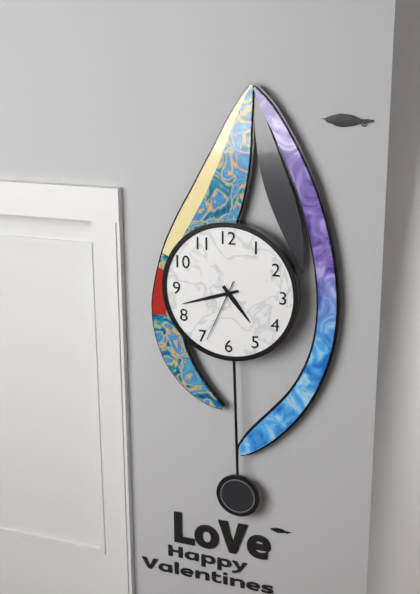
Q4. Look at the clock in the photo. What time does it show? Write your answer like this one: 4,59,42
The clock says 4,42,34
